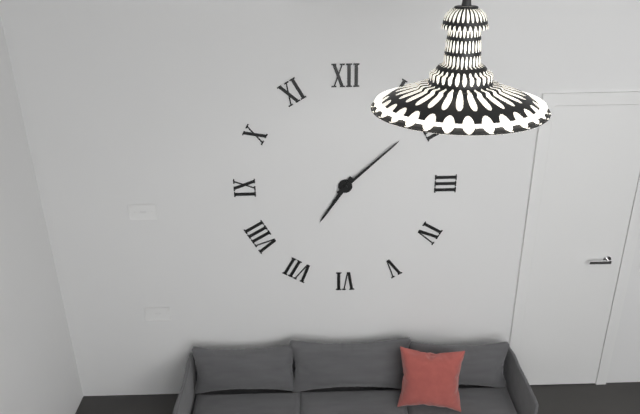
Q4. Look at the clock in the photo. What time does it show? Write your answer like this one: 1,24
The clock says 7,08
